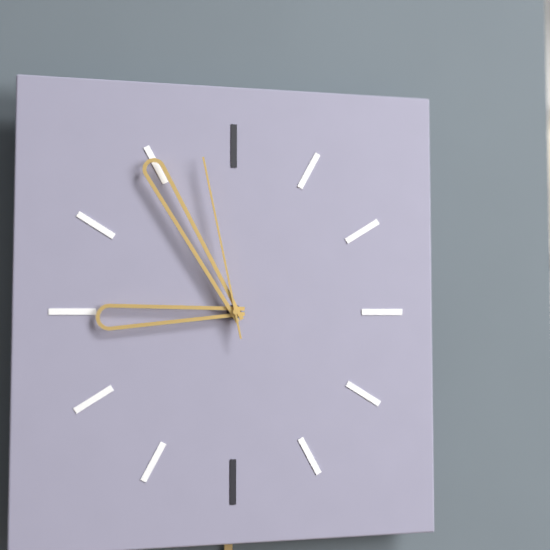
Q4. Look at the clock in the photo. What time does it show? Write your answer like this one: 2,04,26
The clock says 8,55,58
